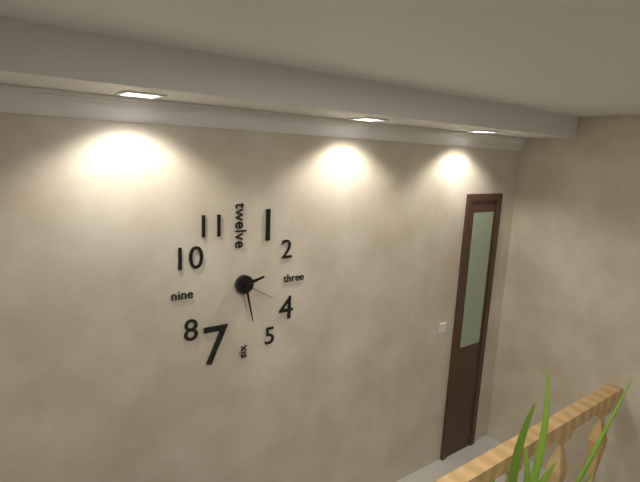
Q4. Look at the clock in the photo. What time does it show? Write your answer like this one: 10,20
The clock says 2,28
